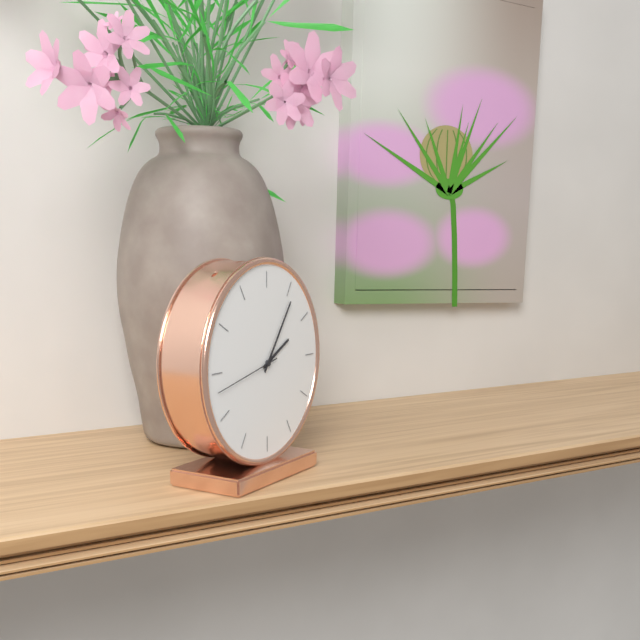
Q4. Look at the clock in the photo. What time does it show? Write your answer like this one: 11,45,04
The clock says 2,06,43
